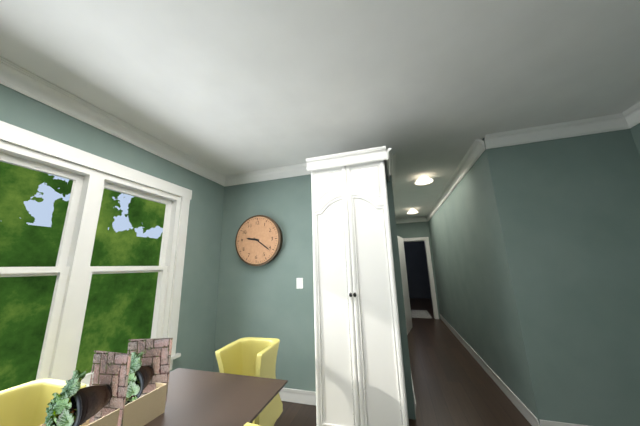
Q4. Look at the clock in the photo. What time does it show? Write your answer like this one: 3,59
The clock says 9,21
